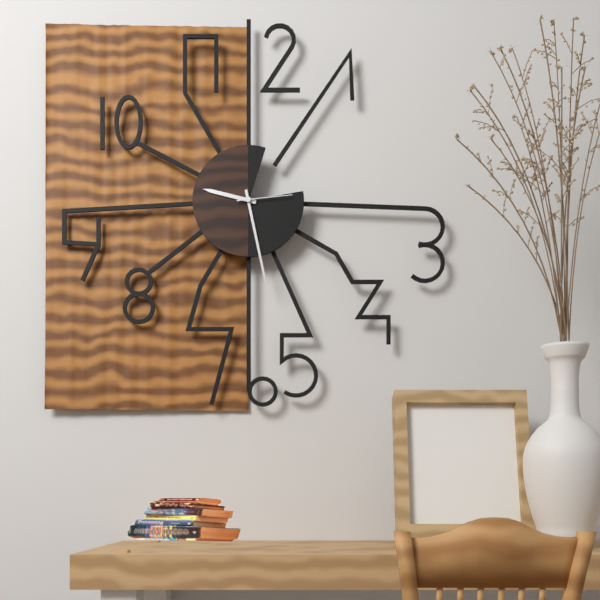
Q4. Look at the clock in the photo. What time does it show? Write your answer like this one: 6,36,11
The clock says 9,28,14
